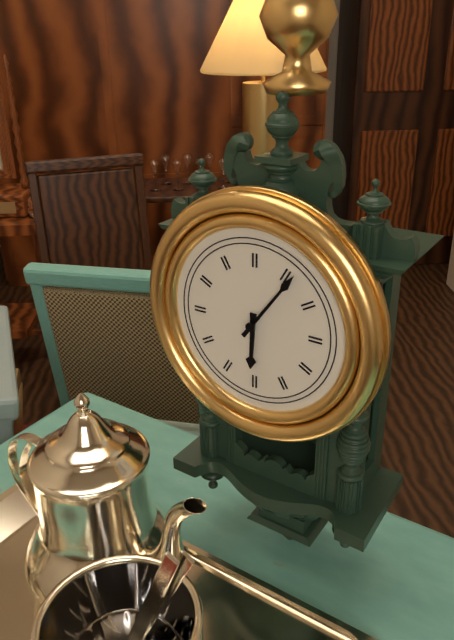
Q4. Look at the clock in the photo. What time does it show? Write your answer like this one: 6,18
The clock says 6,06
